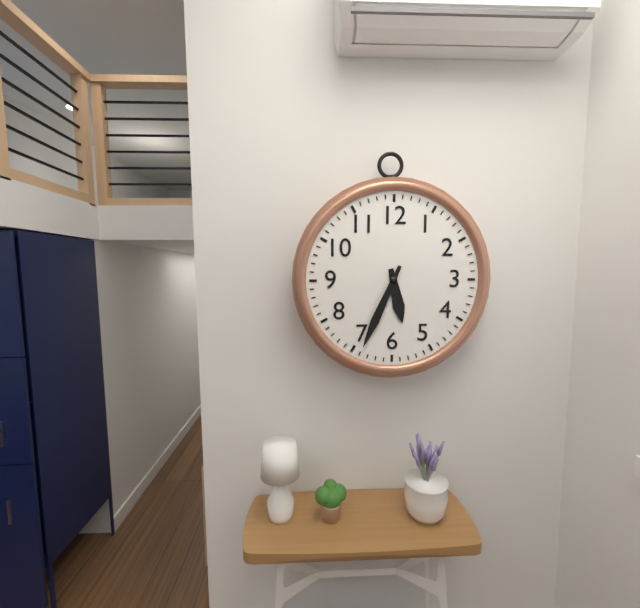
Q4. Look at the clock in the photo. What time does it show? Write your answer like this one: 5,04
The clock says 5,34
